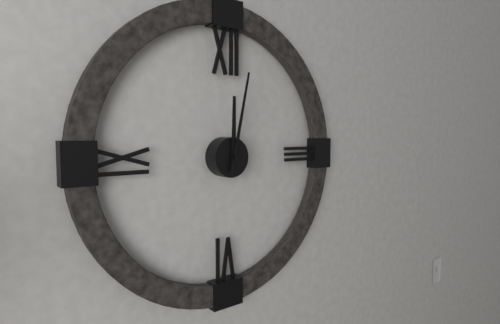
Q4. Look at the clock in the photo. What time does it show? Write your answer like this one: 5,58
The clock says 12,02
